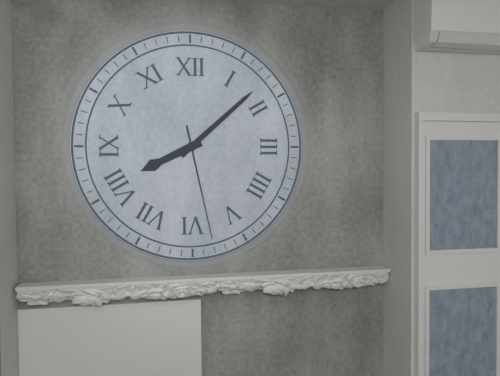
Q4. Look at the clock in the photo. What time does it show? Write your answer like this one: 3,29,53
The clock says 8,08,28
